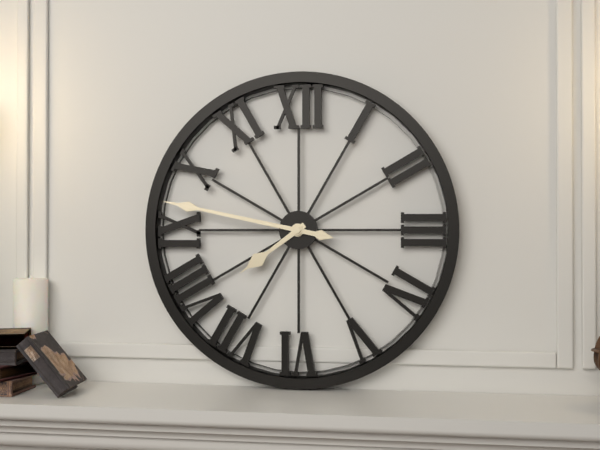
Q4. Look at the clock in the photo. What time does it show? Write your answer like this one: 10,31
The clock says 7,47
